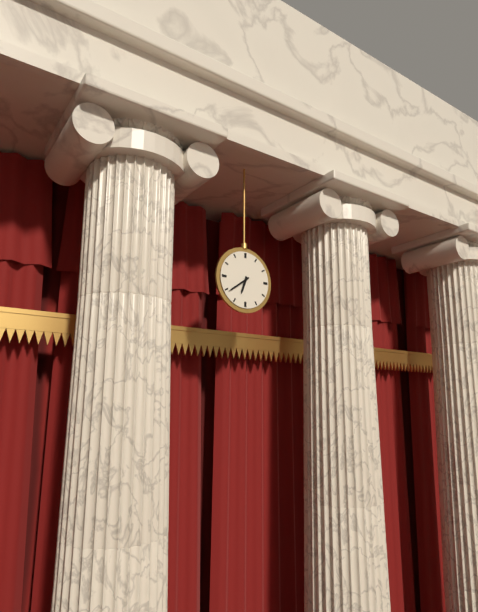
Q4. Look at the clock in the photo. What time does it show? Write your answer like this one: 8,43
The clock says 6,39
